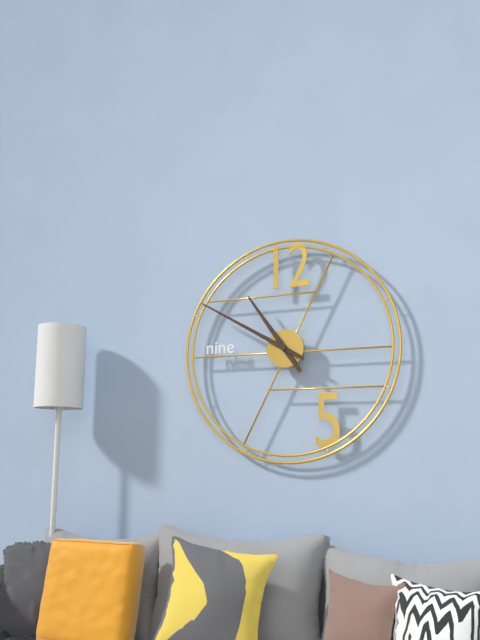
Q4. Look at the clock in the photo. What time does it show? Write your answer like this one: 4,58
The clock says 10,50
